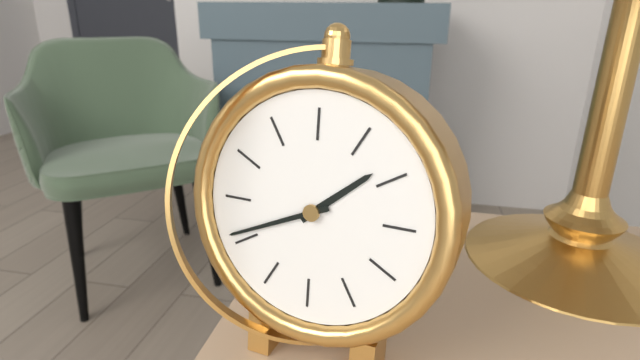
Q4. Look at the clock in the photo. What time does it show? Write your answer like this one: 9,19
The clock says 1,41
